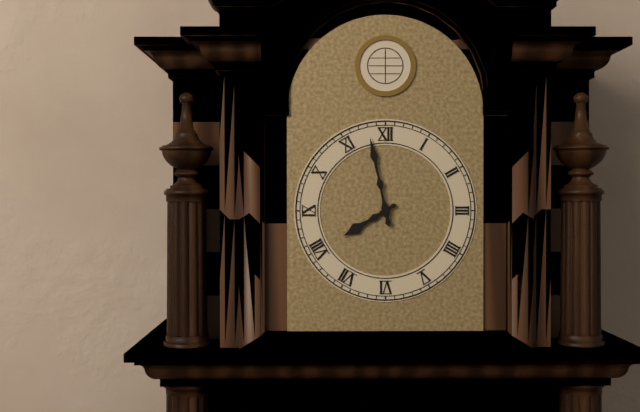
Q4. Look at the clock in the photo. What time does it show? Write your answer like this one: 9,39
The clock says 7,58
